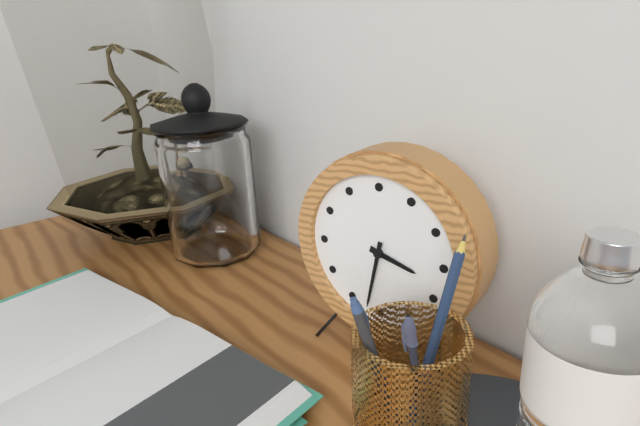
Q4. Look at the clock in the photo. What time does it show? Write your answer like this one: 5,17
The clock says 3,32
